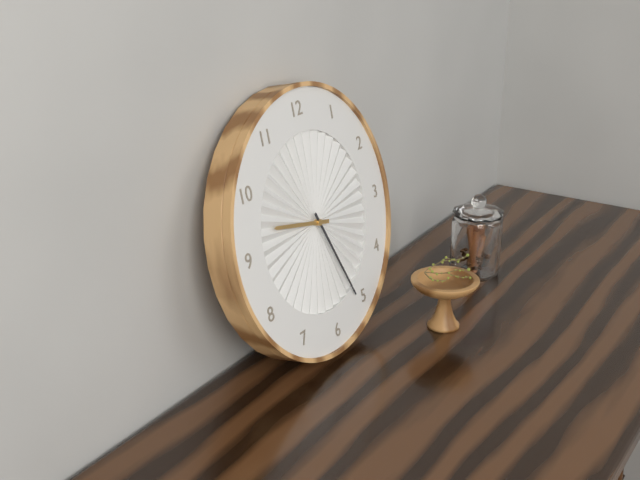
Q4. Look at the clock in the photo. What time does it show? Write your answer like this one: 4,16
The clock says 9,26
